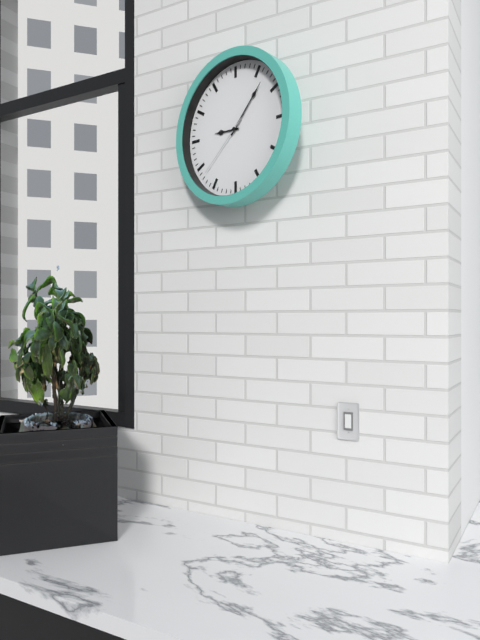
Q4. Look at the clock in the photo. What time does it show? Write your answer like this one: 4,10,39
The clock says 9,07,38
